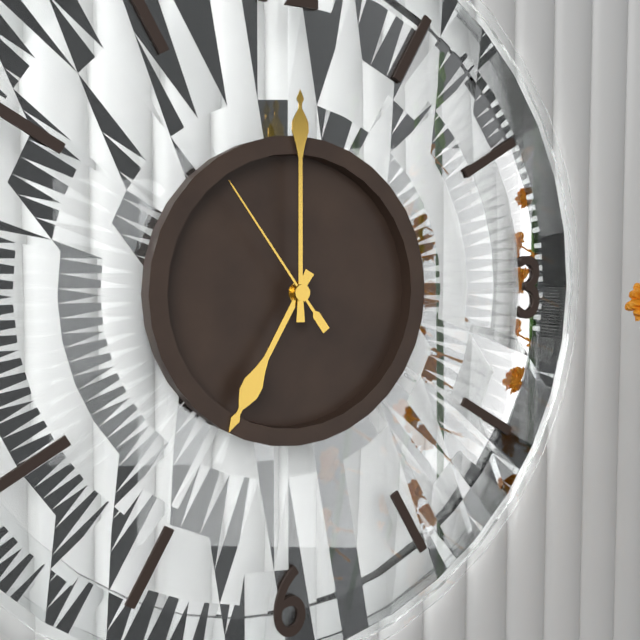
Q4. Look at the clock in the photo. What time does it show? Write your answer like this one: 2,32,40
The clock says 7,00,54
